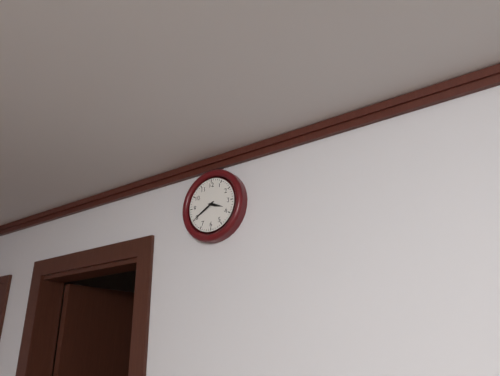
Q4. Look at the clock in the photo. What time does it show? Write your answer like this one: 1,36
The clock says 3,40
